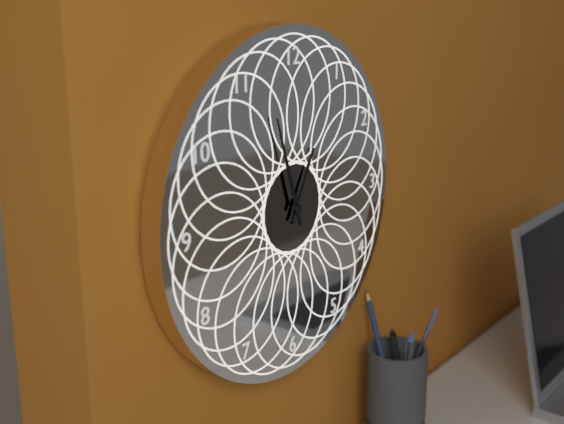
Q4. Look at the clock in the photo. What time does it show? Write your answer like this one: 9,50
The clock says 12,57
